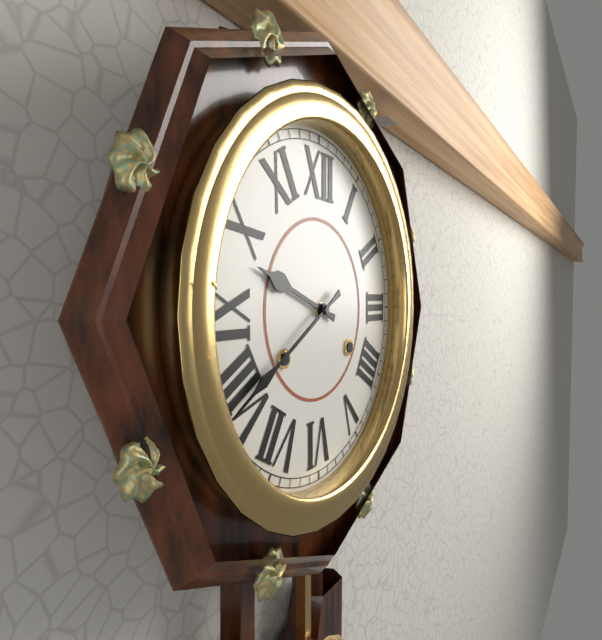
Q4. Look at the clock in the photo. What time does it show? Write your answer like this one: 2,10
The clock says 9,40
